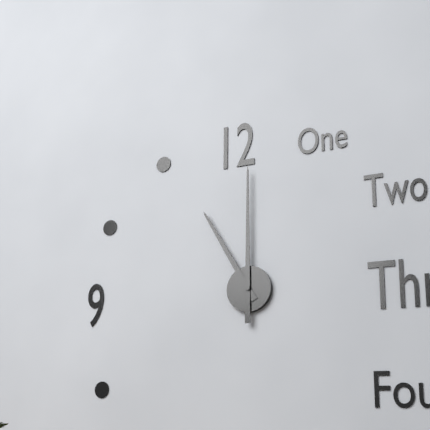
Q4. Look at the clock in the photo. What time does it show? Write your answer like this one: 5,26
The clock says 11,00
